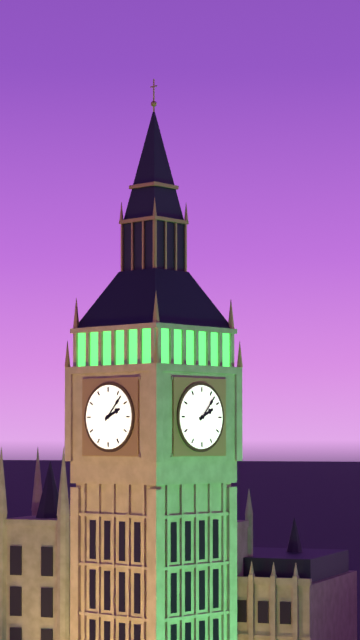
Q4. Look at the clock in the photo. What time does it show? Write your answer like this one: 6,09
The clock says 2,07
